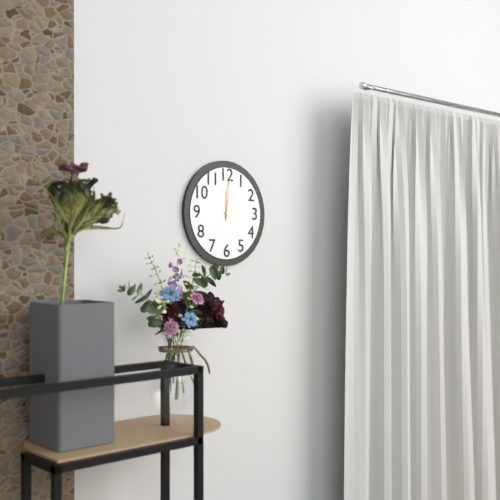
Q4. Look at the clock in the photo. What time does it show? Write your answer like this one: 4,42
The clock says 12,01
